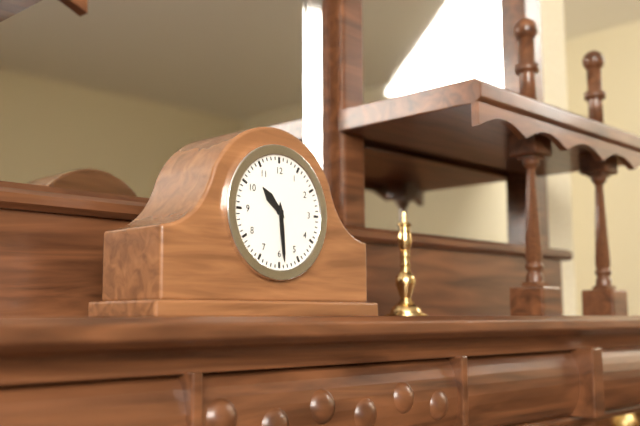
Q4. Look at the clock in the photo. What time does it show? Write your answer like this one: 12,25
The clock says 10,29
